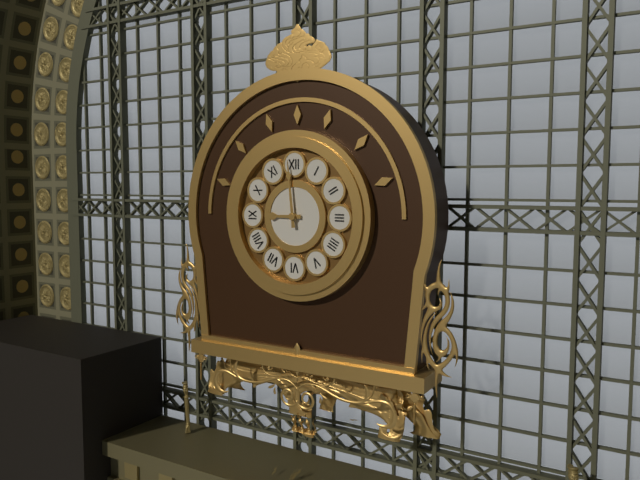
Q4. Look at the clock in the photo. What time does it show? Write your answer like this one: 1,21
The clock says 8,59
